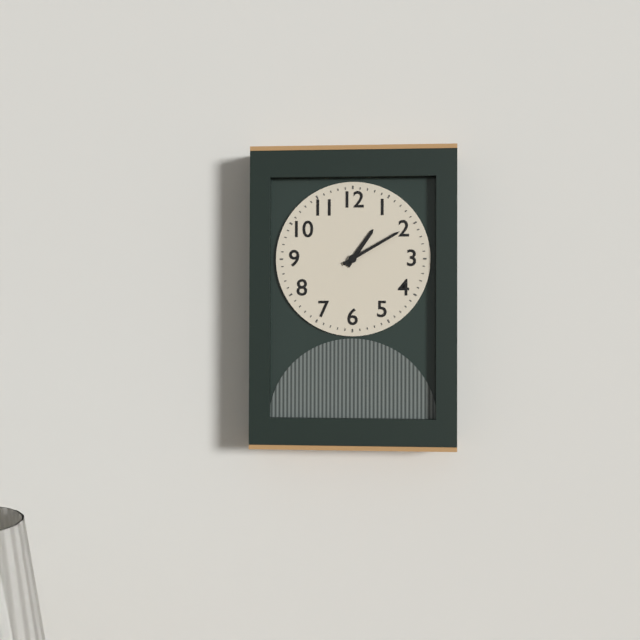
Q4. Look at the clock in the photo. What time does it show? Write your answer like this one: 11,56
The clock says 1,10
